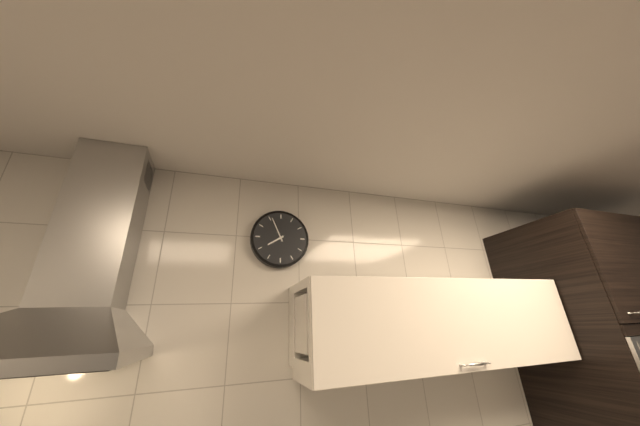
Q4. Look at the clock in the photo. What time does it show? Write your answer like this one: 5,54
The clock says 7,56
